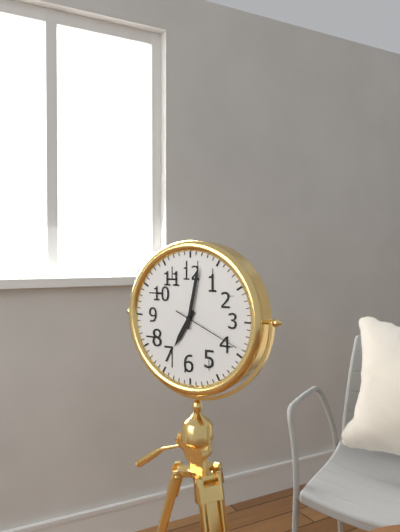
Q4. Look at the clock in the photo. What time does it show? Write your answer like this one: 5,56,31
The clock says 7,02,19
